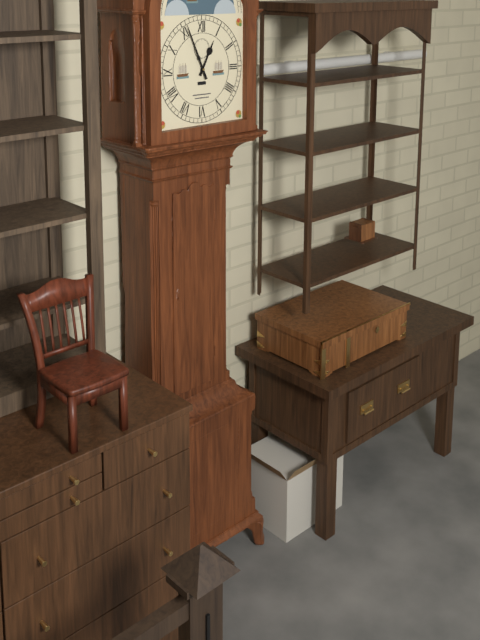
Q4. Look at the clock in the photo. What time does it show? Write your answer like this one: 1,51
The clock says 12,56
